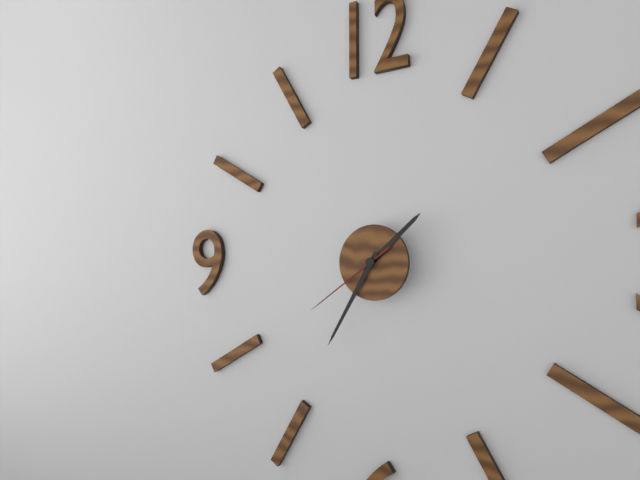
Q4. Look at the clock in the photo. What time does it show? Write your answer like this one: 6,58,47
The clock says 1,35,39
